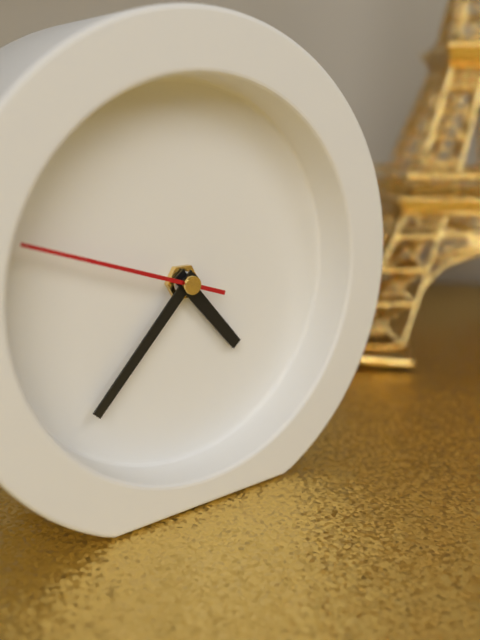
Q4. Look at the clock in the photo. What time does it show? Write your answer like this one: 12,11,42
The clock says 4,37,48
